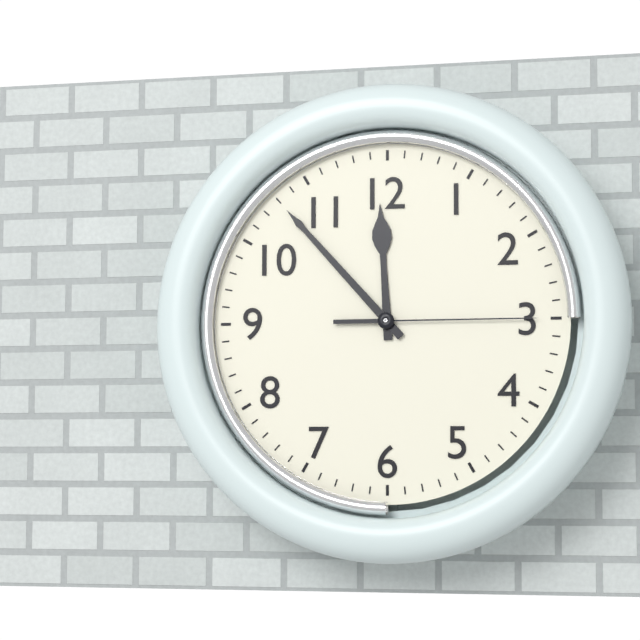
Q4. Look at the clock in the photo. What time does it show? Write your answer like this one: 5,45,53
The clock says 11,53,15
